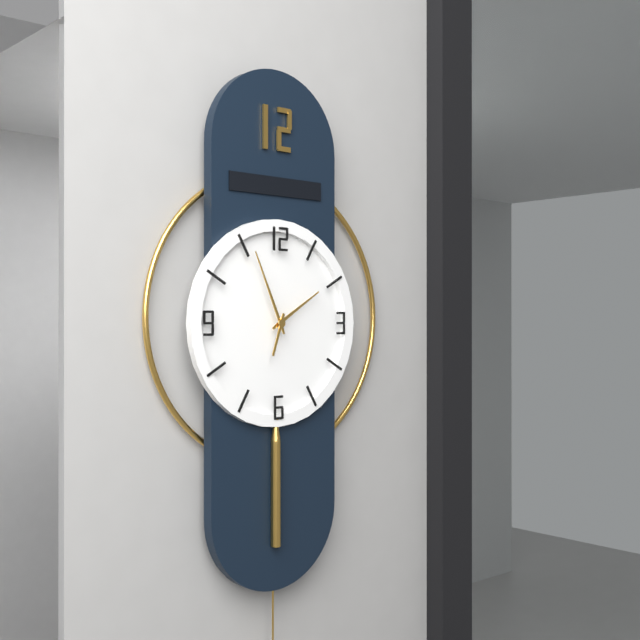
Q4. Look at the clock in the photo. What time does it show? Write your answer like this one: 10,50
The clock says 1,56
